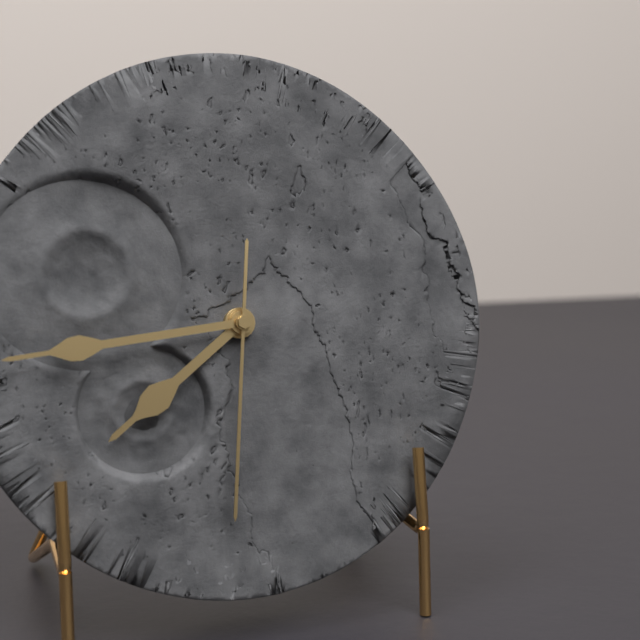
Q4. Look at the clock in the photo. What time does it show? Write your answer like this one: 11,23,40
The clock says 7,44,31
